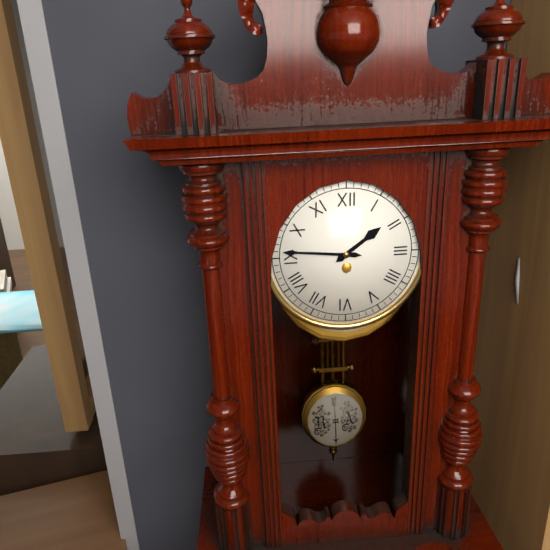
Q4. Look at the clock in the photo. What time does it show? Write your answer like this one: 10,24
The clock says 1,46
